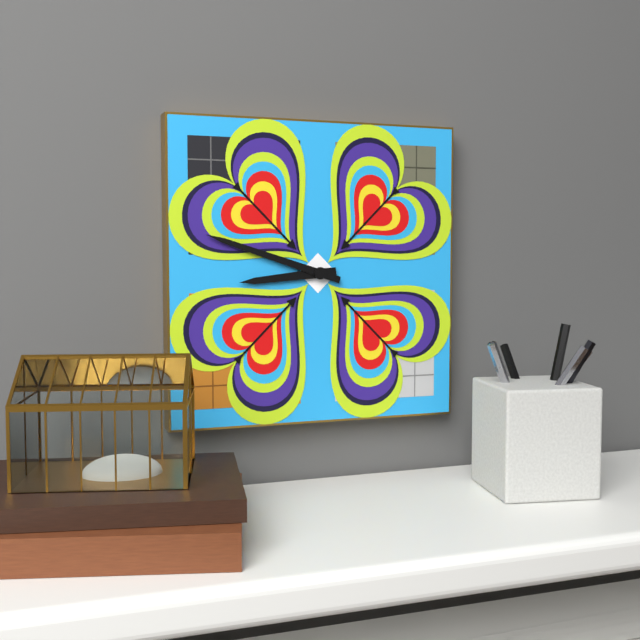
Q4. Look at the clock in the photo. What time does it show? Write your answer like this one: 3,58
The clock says 8,48
